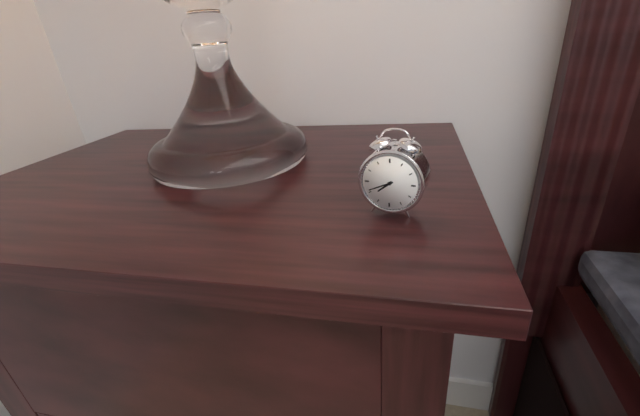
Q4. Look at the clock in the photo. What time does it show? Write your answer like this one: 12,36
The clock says 7,41
